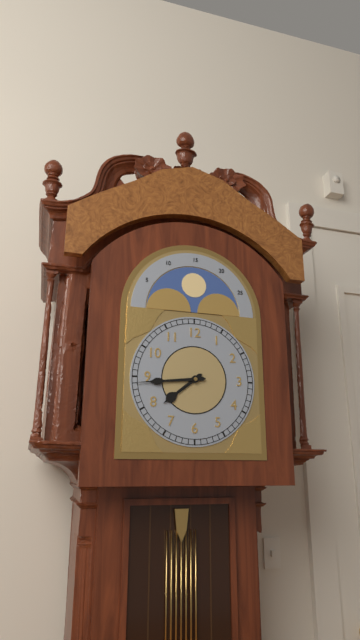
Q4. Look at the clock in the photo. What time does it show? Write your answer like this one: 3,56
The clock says 7,44
